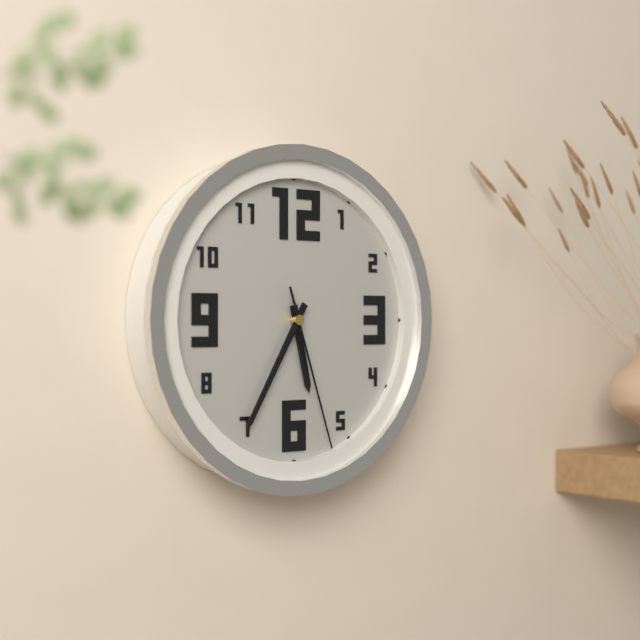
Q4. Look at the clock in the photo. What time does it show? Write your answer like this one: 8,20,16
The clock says 5,35,27
